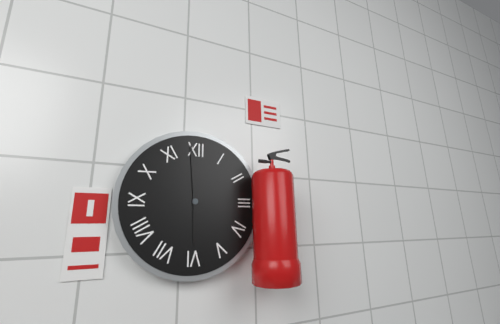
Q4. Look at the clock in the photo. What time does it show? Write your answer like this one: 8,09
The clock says 5,59
